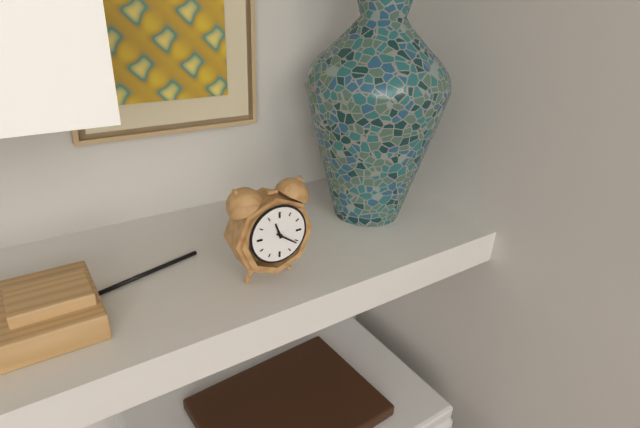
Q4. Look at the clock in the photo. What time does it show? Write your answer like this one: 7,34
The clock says 11,21
